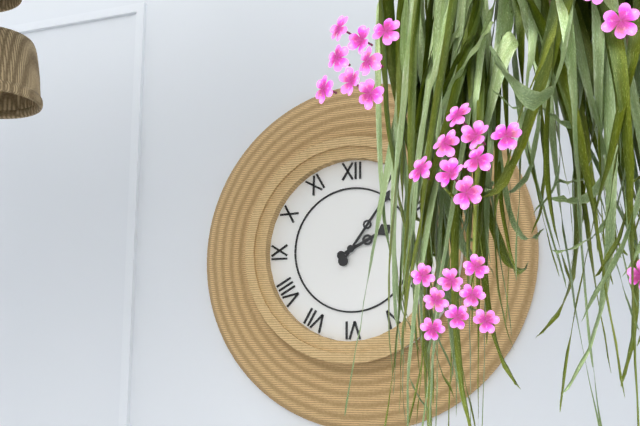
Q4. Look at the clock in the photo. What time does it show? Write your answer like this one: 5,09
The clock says 2,06
